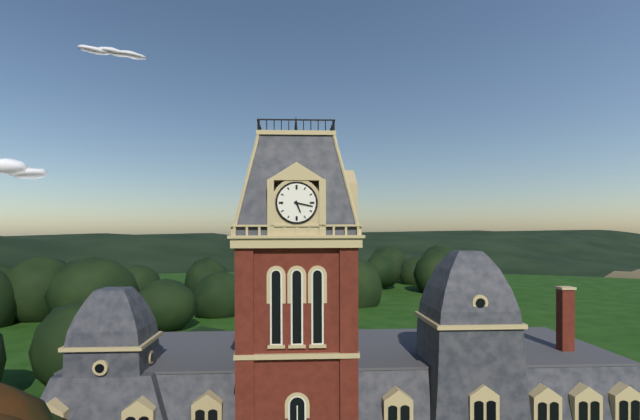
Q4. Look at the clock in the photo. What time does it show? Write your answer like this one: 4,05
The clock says 5,17
